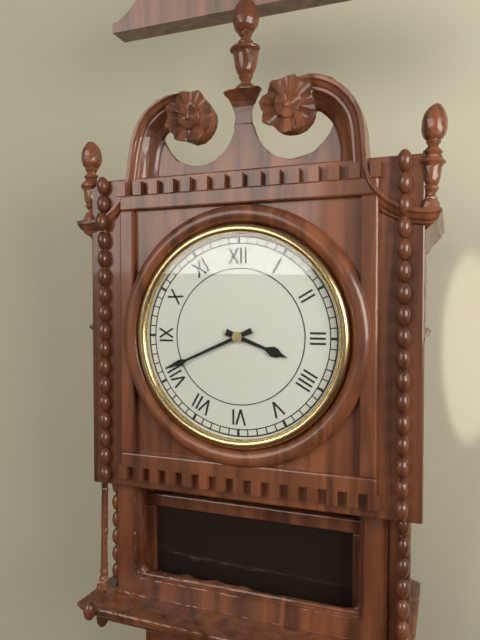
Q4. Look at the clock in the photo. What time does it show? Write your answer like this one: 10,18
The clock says 3,41
